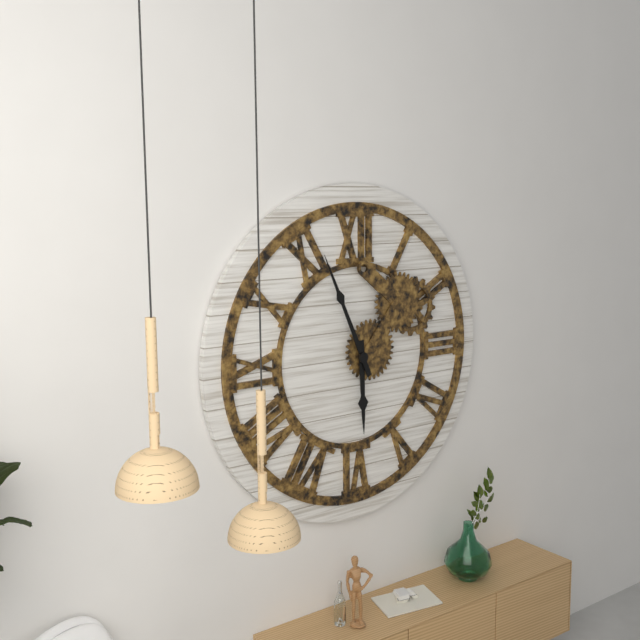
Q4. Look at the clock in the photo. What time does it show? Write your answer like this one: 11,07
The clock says 5,56
